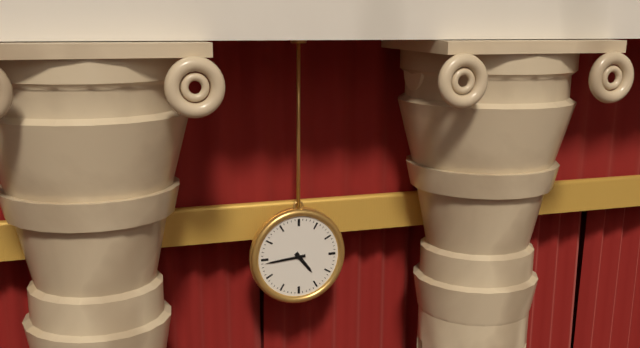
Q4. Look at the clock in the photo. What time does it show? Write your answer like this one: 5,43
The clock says 4,44
